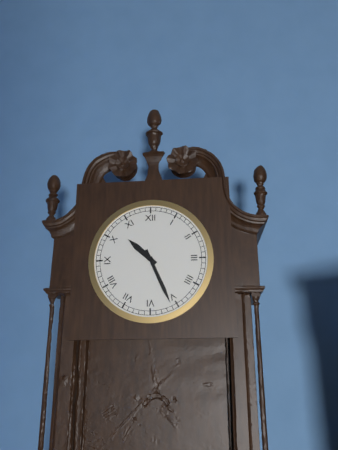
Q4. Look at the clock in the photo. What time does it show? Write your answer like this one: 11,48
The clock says 10,26
